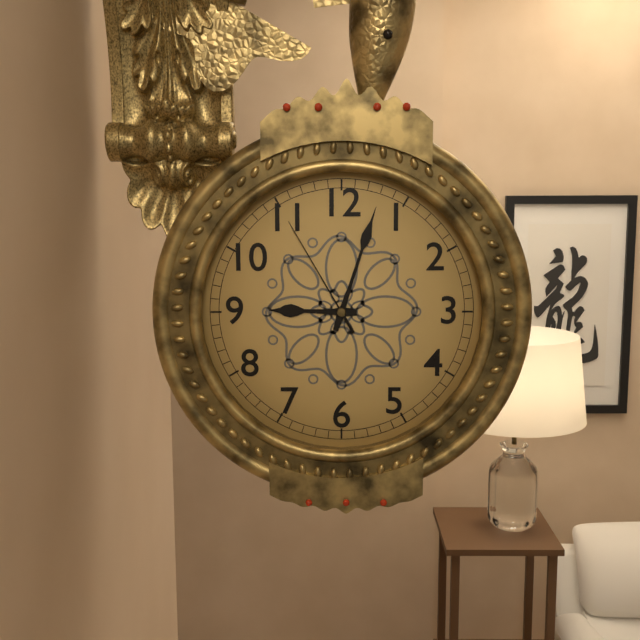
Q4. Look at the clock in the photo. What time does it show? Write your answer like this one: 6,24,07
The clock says 9,03,55
